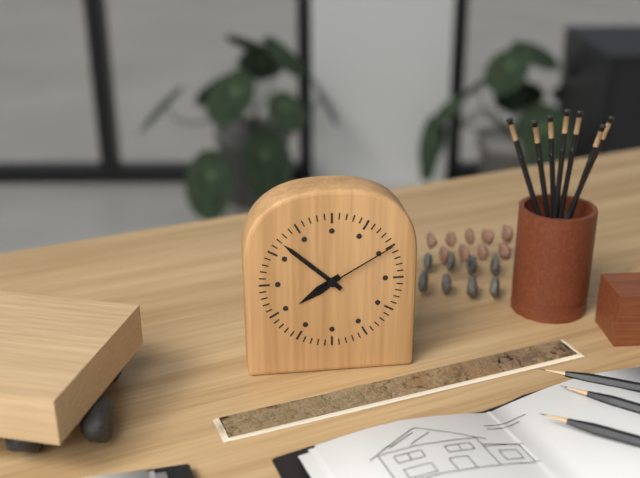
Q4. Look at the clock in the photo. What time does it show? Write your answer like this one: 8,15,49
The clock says 7,52,10
